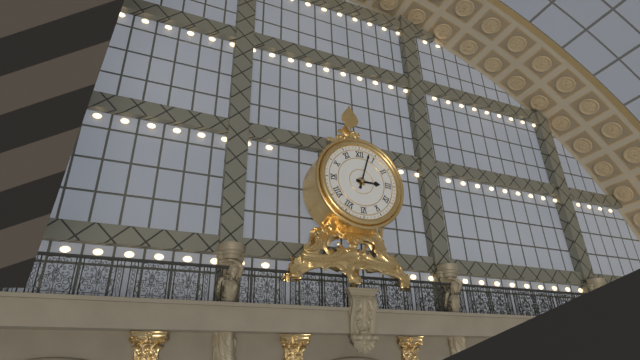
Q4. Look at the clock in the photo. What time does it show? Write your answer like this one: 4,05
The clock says 3,03
